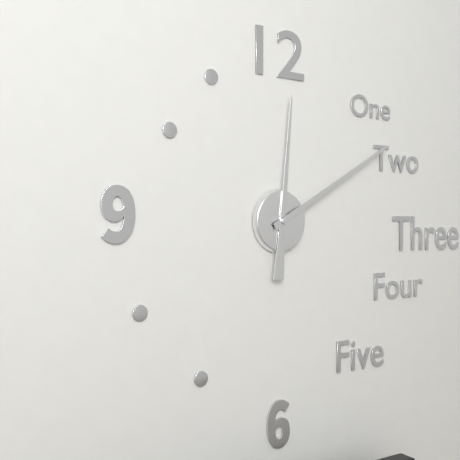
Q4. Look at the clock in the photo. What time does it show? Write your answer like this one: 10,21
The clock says 12,10
